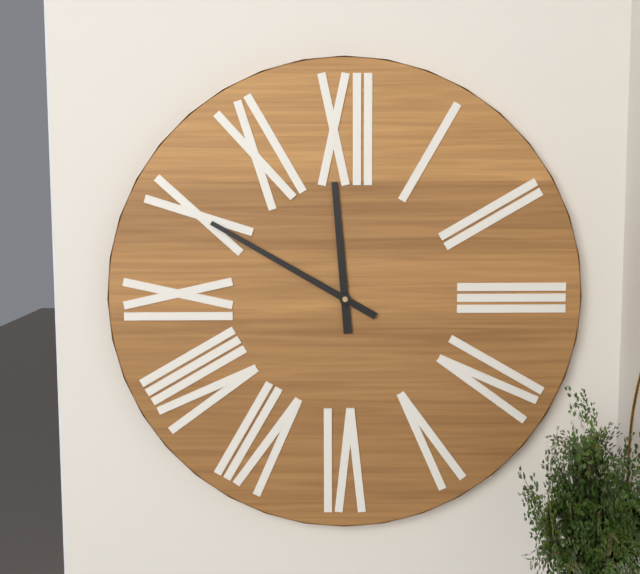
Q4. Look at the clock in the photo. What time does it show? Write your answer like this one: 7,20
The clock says 11,50
